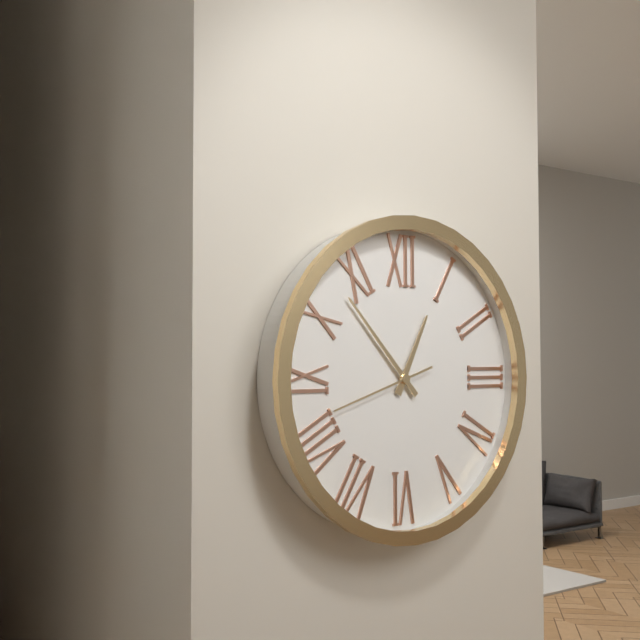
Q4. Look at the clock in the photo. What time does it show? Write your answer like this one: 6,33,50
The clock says 12,53,42
